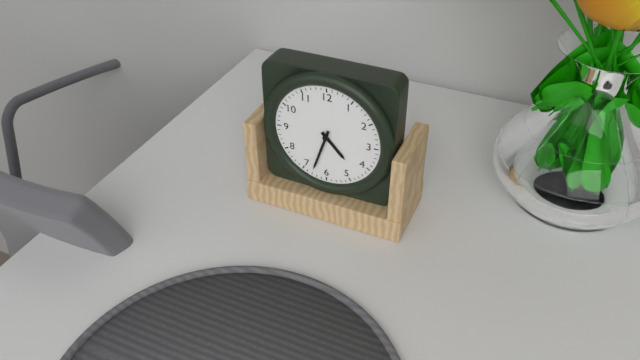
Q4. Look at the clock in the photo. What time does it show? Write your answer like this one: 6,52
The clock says 4,33
